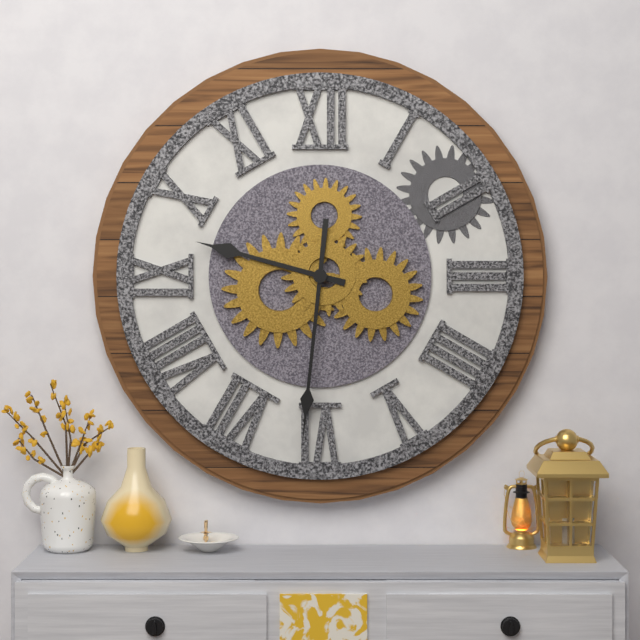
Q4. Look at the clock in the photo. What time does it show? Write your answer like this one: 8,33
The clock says 9,31
